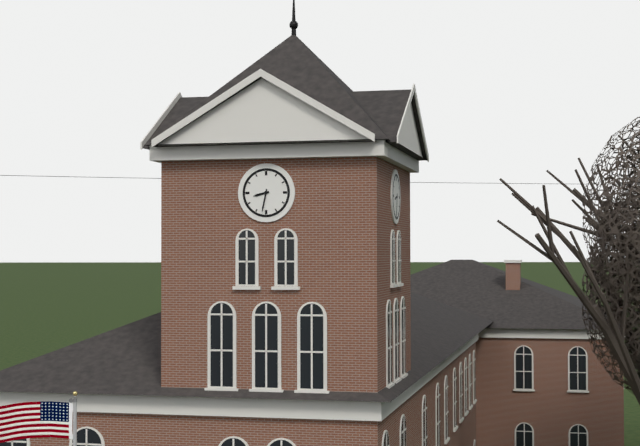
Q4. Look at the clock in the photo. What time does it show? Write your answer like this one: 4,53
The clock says 8,32
